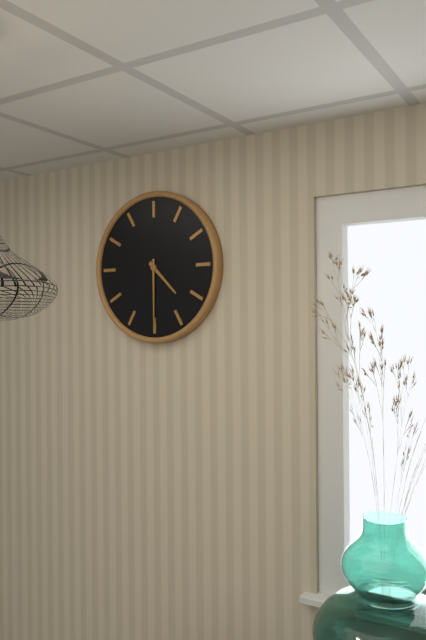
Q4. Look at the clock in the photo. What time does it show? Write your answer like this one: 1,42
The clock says 4,30
